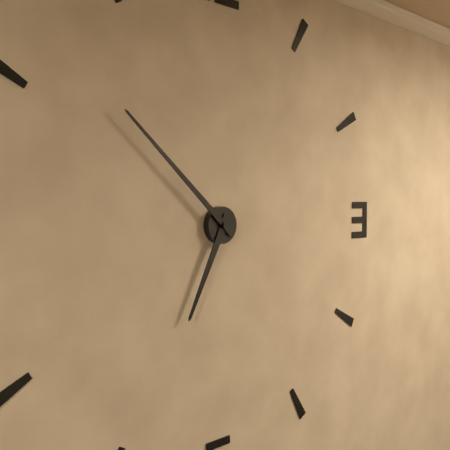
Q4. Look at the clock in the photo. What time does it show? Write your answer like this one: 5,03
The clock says 6,52
